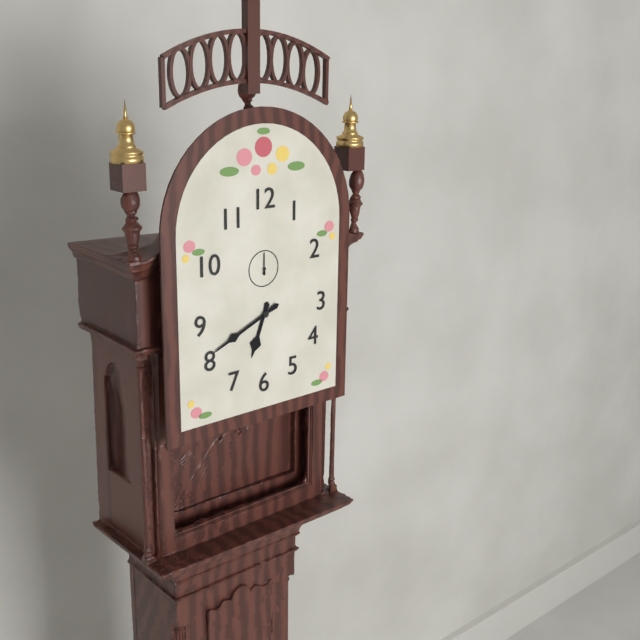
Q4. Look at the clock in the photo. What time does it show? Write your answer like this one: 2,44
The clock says 6,41
